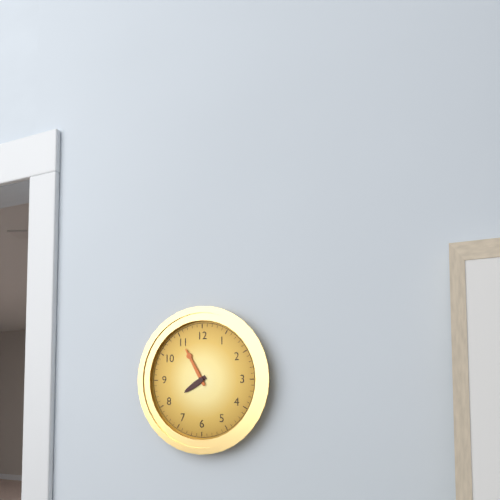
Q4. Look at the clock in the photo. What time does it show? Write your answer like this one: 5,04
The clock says 7,55
